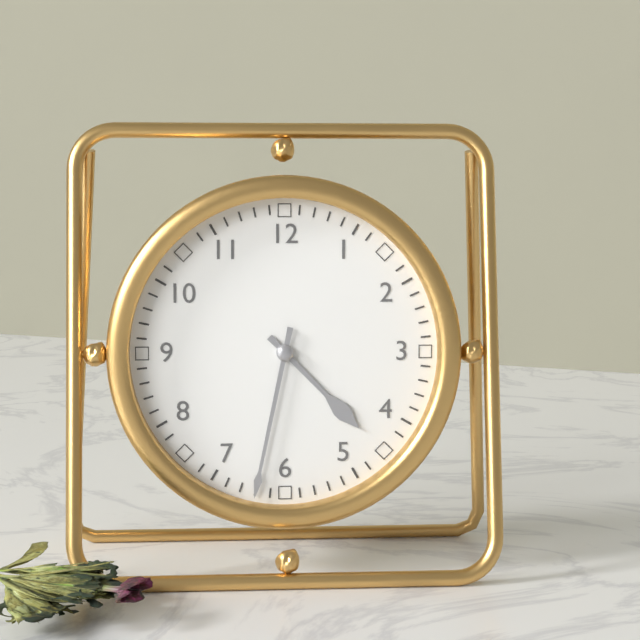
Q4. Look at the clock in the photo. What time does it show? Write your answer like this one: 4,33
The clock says 4,32
